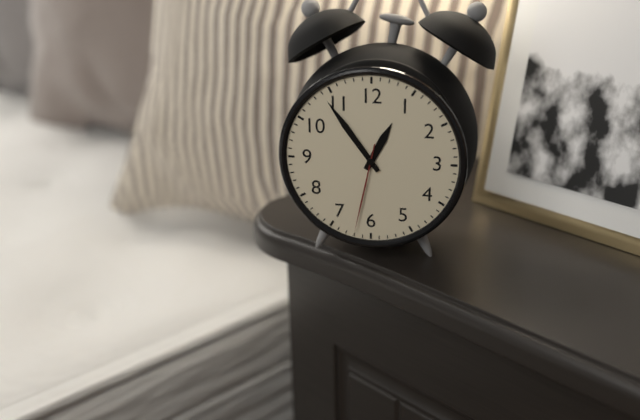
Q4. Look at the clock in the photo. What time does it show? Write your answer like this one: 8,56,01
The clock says 12,54,32
